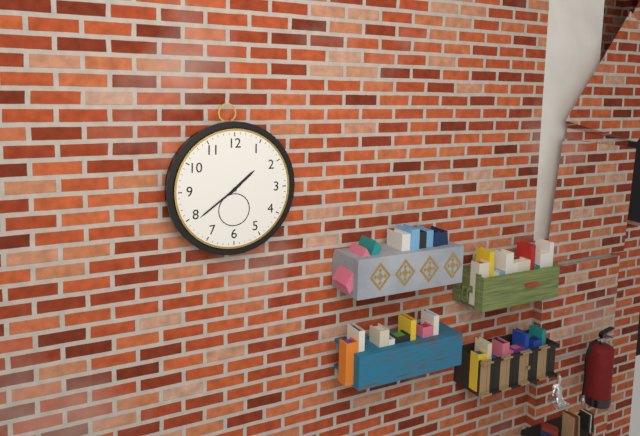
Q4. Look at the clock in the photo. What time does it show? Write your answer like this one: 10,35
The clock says 1,39
